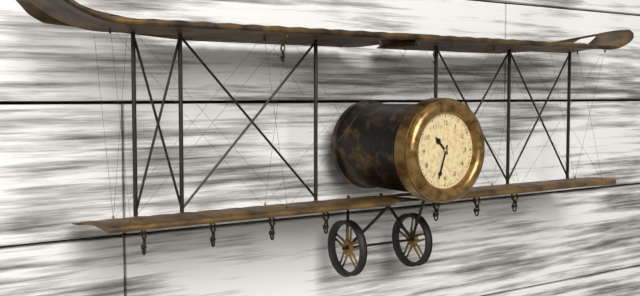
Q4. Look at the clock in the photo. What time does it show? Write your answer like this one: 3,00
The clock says 10,33
